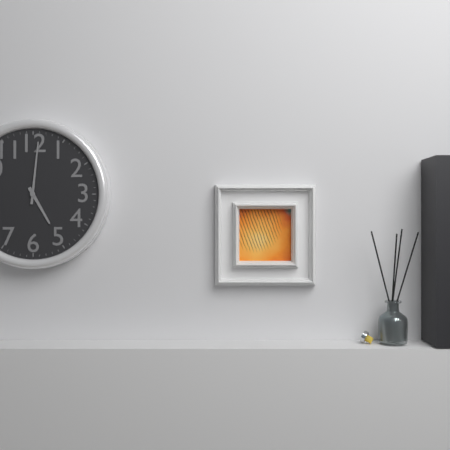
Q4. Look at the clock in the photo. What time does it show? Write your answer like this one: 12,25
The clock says 5,01
